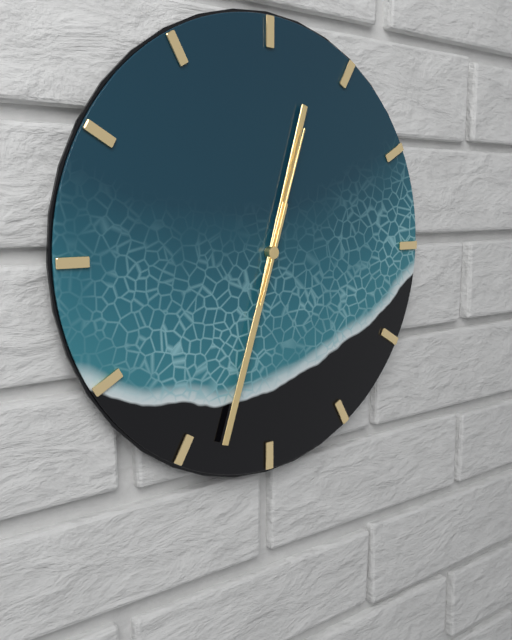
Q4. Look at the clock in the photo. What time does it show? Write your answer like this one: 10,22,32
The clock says 12,33,03
